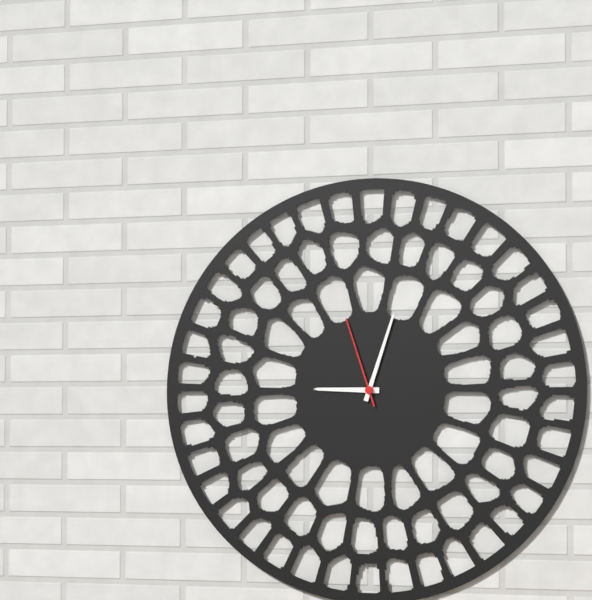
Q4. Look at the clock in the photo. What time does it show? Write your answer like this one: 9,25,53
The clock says 9,03,57
